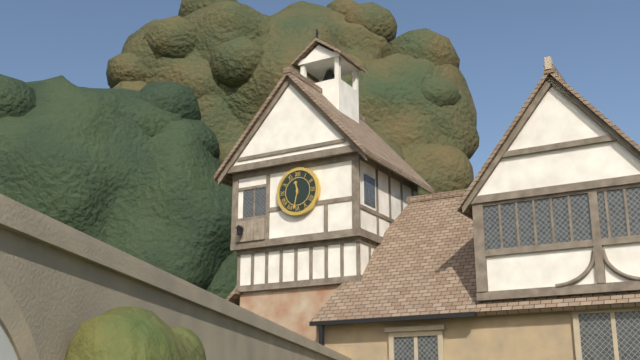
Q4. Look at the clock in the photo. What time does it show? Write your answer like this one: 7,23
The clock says 11,32
